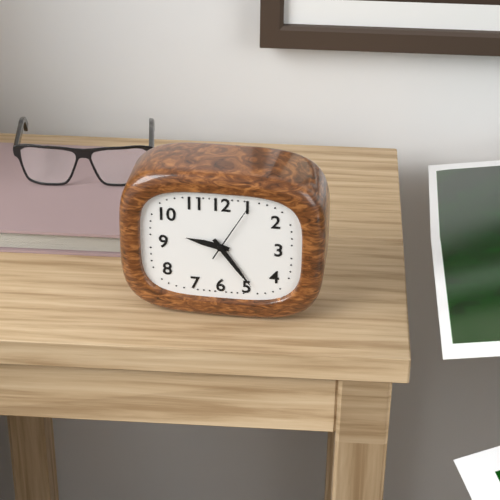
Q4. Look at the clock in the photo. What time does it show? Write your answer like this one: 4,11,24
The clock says 9,24,05
